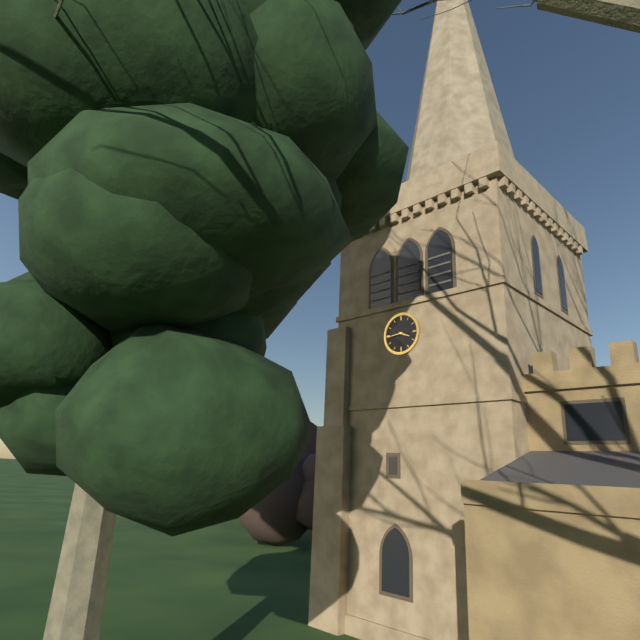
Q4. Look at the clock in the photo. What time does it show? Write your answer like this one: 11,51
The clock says 3,44
